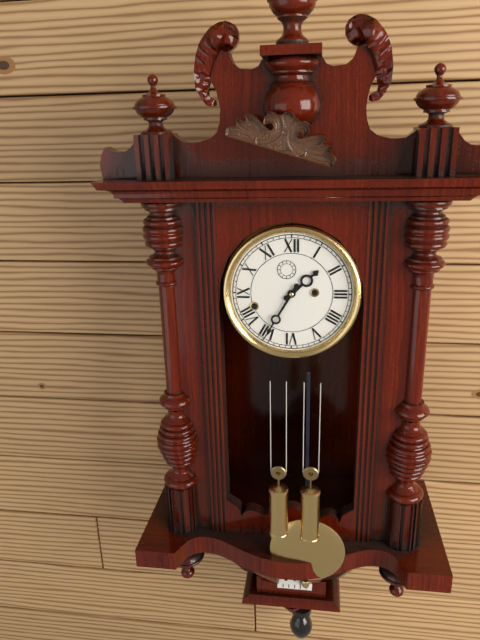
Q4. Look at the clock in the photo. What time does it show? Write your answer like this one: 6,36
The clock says 1,35
